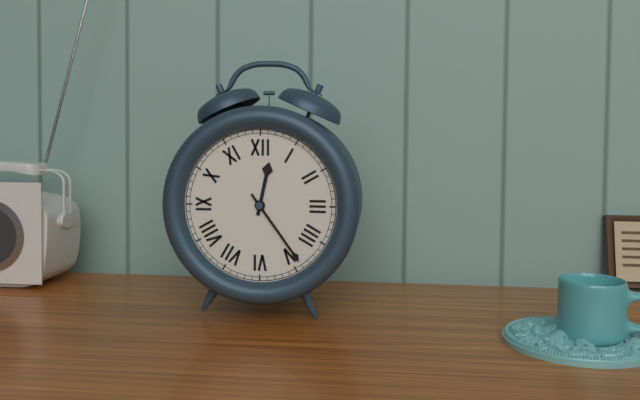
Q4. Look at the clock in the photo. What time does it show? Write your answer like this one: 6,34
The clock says 12,24
